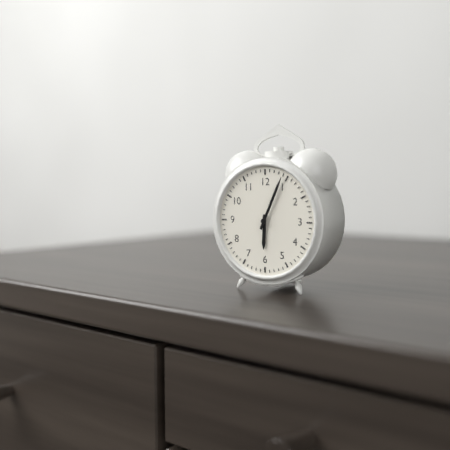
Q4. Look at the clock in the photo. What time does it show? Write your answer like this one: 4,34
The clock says 6,04
